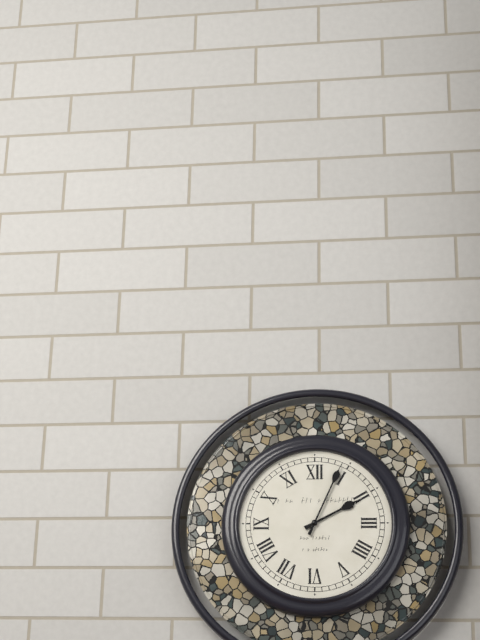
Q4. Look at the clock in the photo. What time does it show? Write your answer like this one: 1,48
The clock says 2,04
